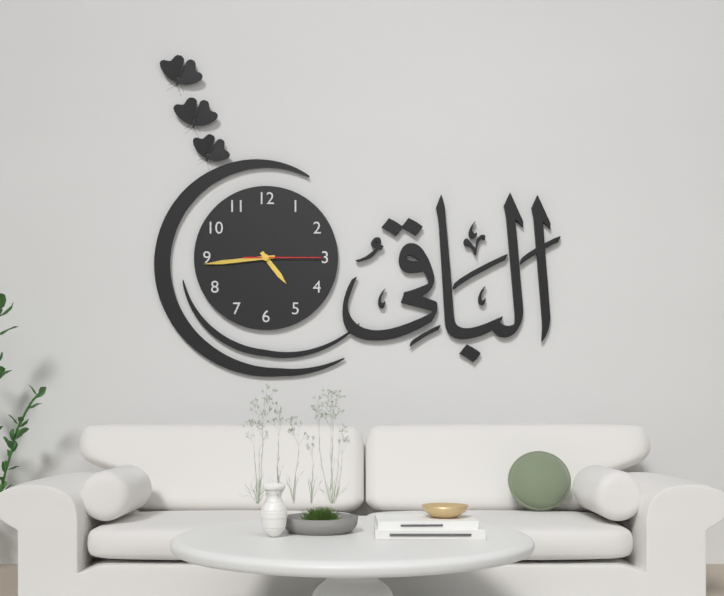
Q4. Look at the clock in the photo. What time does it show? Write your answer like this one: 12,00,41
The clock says 4,44,15
